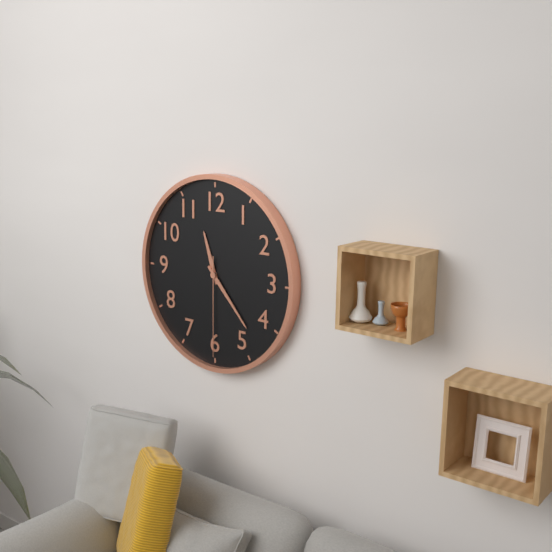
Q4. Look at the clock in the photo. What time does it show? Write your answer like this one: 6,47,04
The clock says 11,23,30
